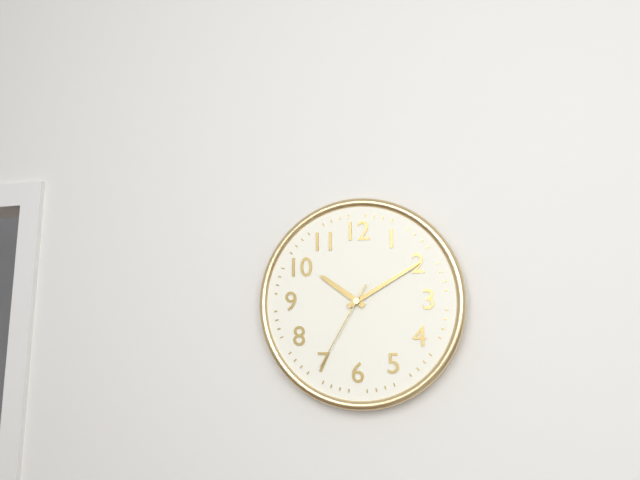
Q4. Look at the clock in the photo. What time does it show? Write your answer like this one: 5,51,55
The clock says 10,10,35
